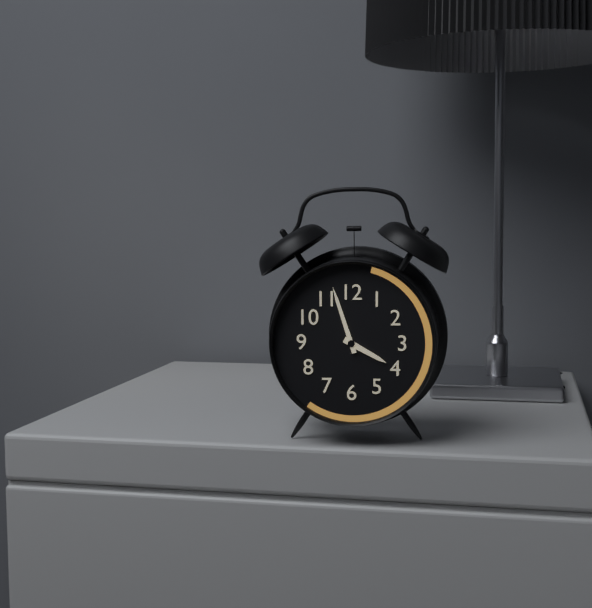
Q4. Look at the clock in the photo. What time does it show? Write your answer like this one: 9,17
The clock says 3,57
